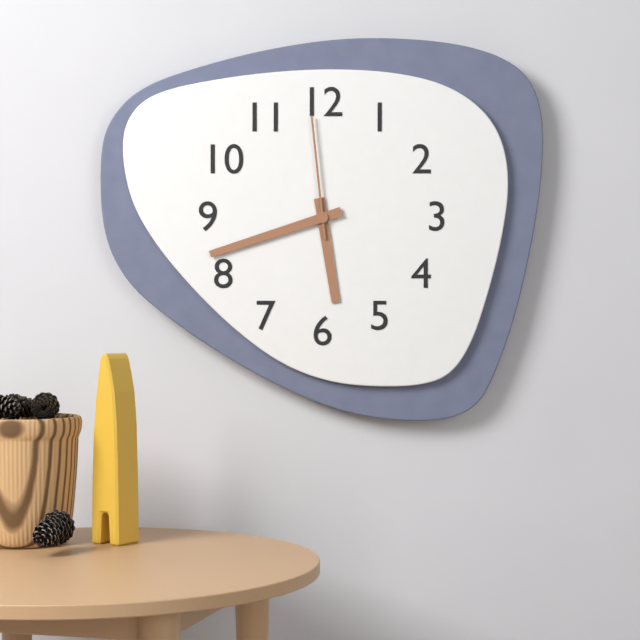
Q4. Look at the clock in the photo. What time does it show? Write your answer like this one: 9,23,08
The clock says 5,42,59
